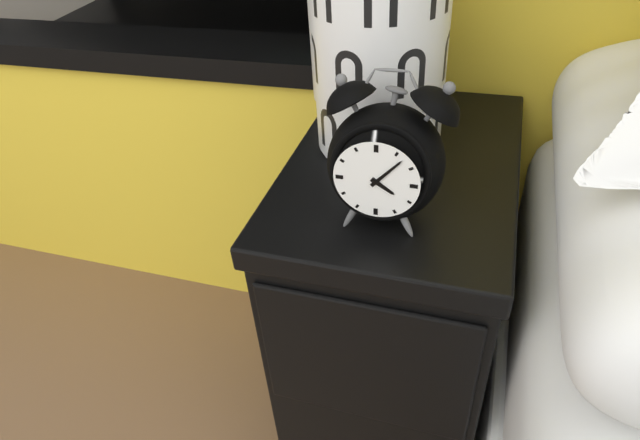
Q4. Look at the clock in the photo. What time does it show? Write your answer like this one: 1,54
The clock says 4,07
